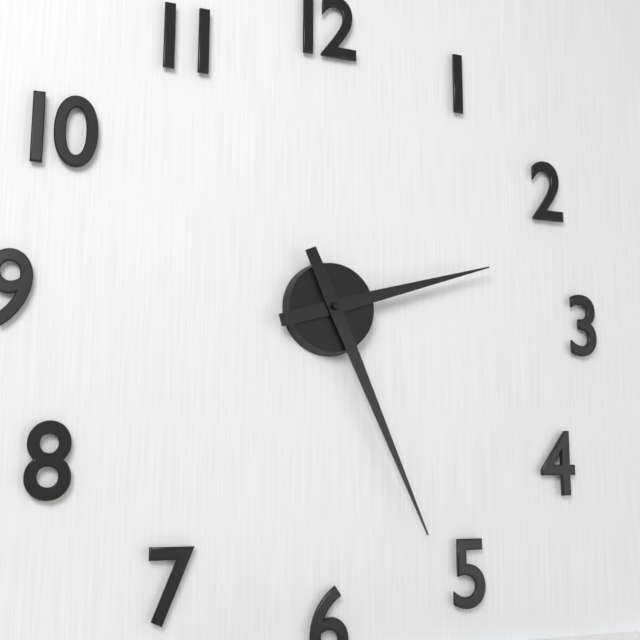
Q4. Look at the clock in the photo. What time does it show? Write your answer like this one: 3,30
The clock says 2,26
